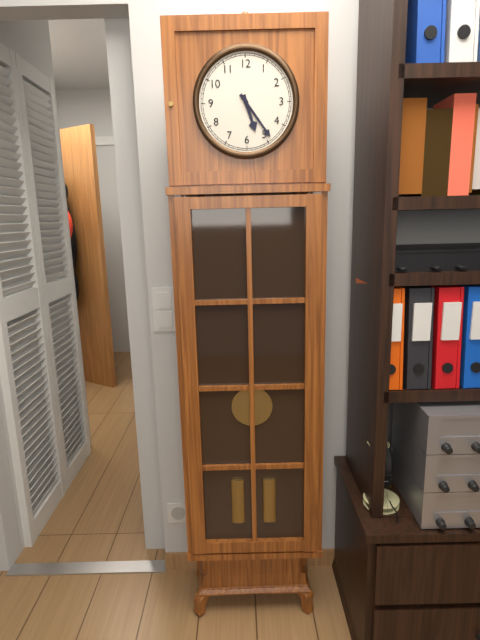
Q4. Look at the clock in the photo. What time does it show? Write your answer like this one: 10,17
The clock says 5,24
